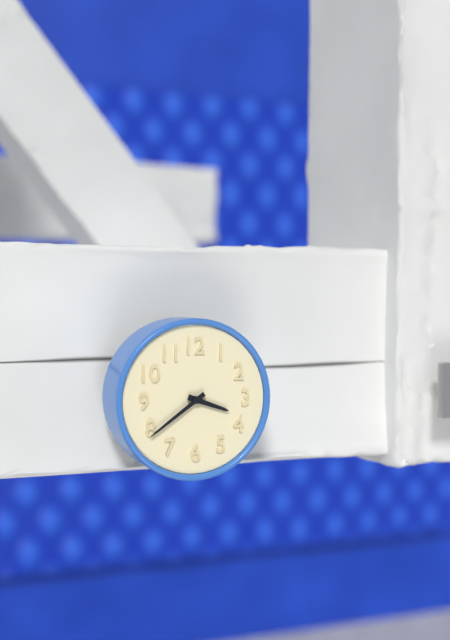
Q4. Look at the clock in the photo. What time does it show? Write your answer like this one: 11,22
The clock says 3,39
